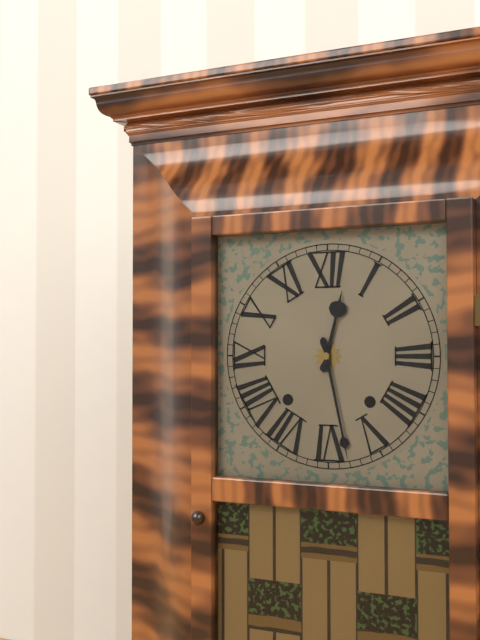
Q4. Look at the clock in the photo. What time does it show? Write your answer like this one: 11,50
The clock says 12,28
